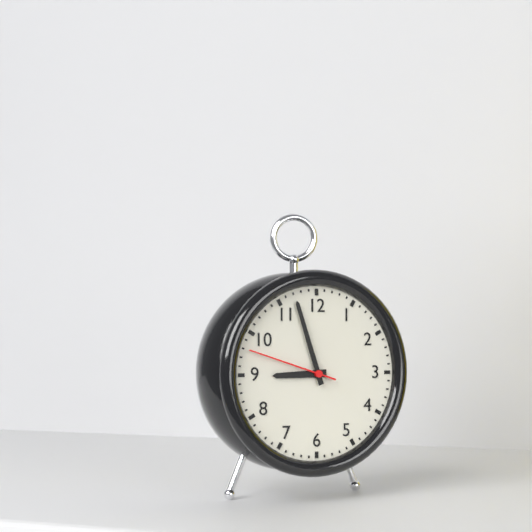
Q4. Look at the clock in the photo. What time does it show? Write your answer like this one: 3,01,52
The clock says 8,57,48
